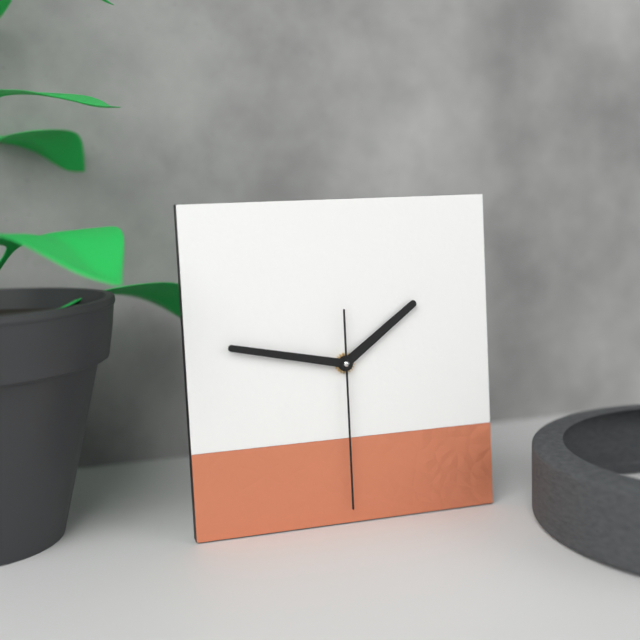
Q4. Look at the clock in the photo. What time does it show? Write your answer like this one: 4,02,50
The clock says 1,47,30
